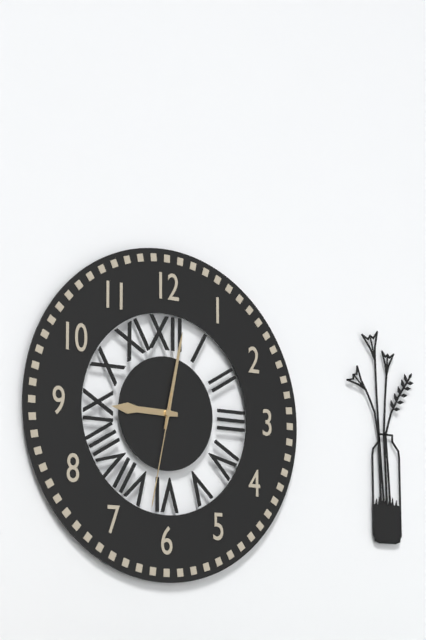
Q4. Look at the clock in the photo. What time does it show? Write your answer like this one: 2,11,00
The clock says 9,02,32
